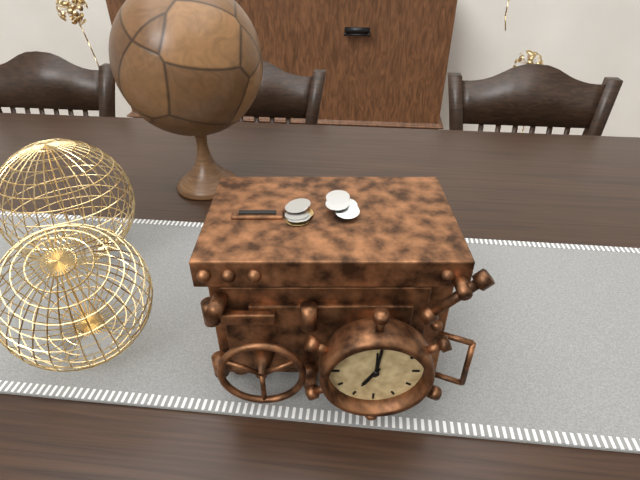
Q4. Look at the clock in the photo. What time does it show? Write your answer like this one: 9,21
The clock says 7,01
